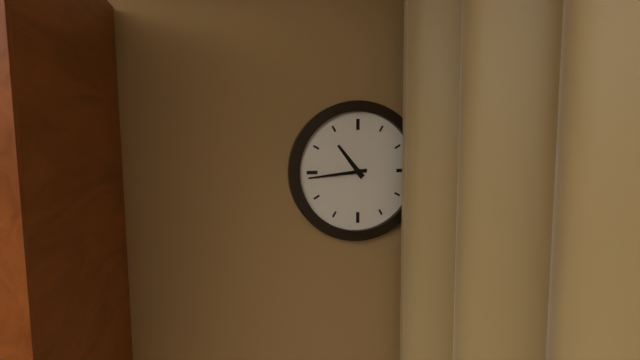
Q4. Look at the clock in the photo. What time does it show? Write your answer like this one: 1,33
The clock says 10,44
